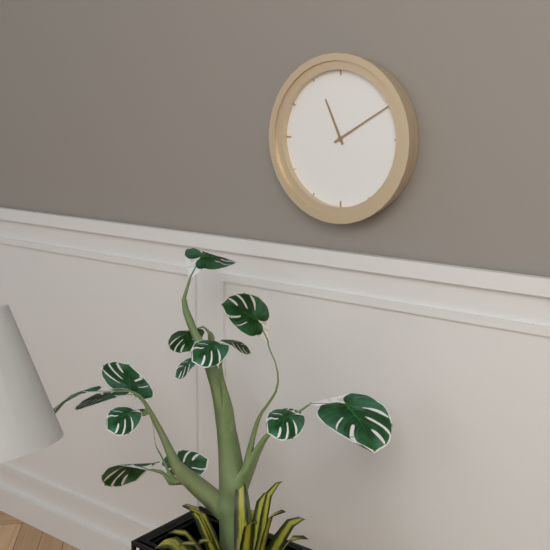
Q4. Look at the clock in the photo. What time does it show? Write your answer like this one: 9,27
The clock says 11,10
